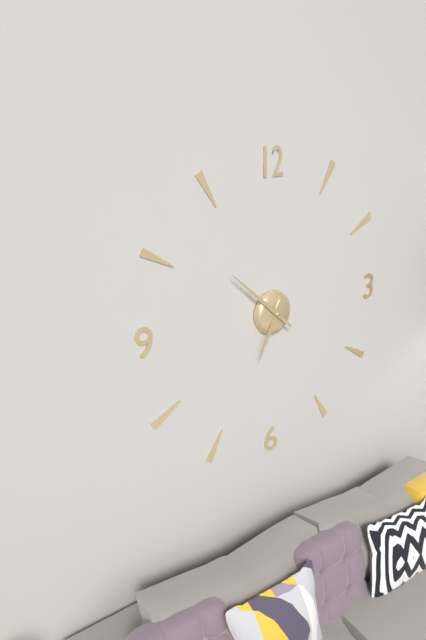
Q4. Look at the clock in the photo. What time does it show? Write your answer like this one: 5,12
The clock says 6,52
